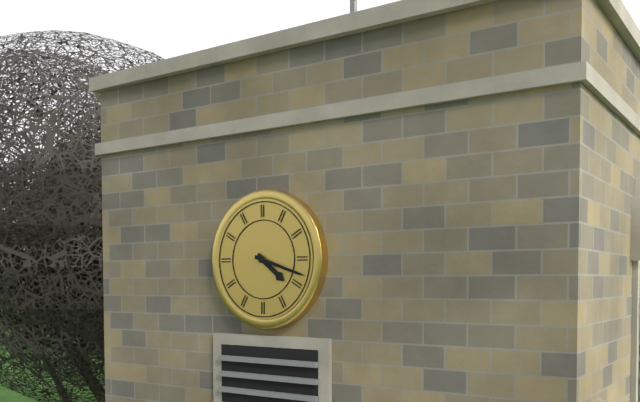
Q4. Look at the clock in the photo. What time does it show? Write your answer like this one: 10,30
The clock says 4,18
